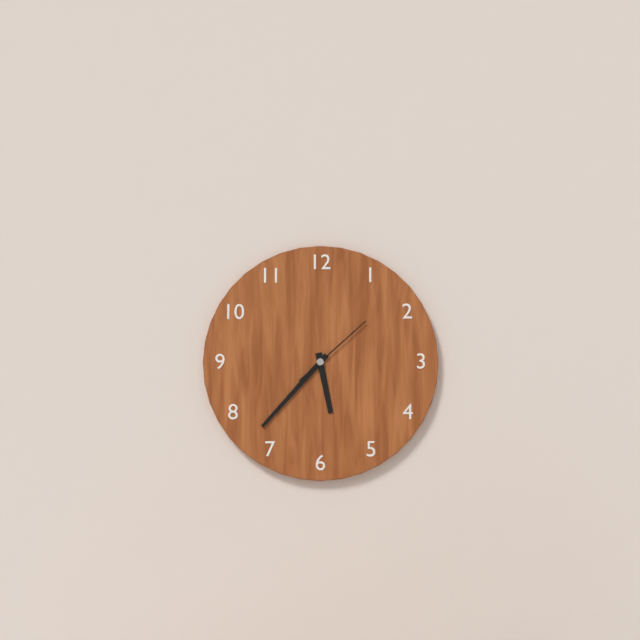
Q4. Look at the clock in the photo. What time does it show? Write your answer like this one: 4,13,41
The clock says 5,37,08
